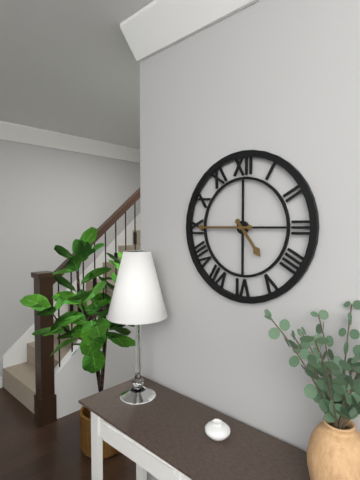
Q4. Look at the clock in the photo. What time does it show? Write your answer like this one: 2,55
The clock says 4,45
